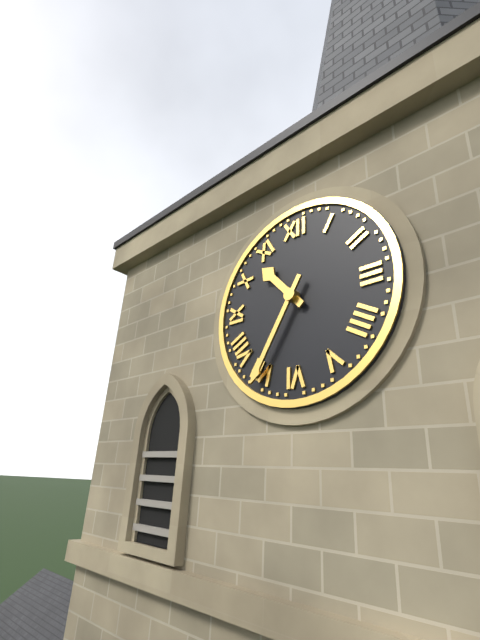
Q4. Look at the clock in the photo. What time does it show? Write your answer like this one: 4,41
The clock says 10,35
